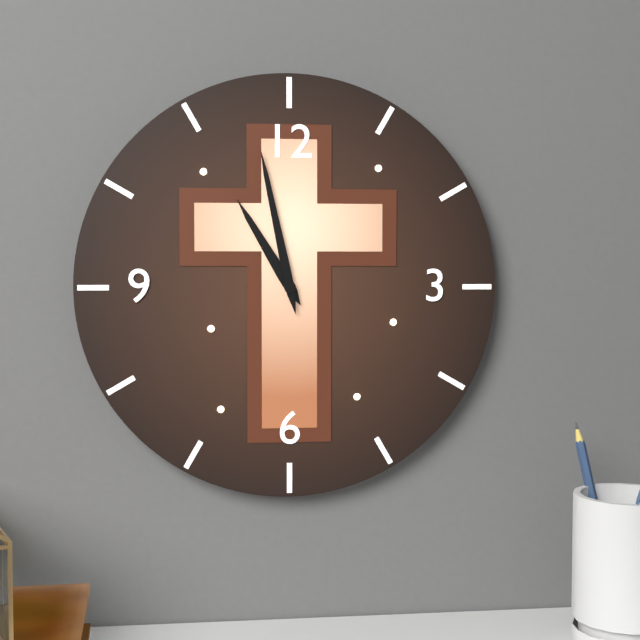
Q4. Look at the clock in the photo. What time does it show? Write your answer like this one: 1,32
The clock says 10,58
